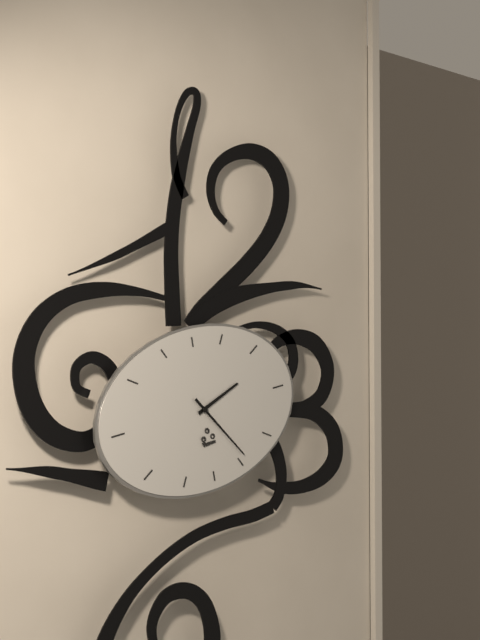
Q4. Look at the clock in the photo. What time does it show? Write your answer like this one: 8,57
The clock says 2,24
